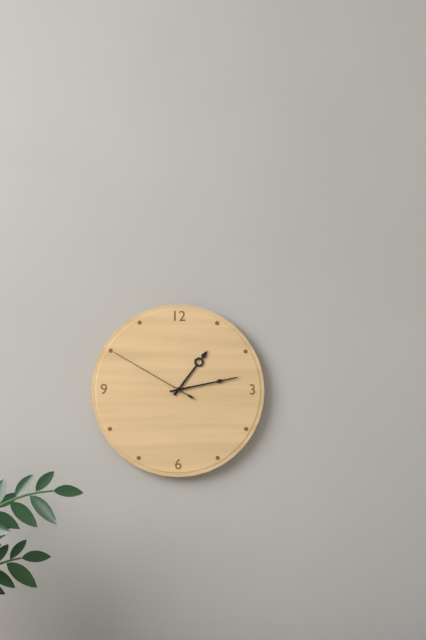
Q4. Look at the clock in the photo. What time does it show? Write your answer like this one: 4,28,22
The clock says 1,13,50
